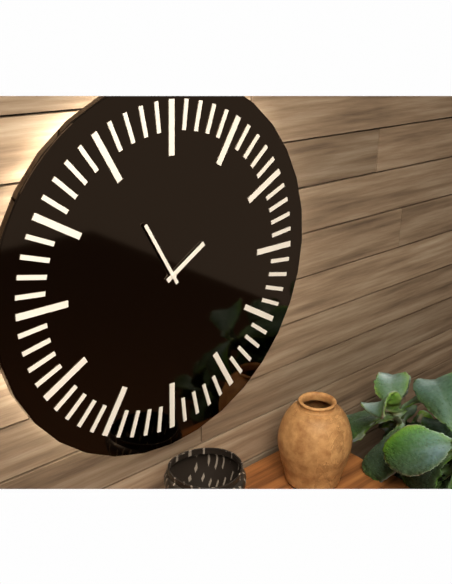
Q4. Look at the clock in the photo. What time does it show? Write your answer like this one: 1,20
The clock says 1,55
